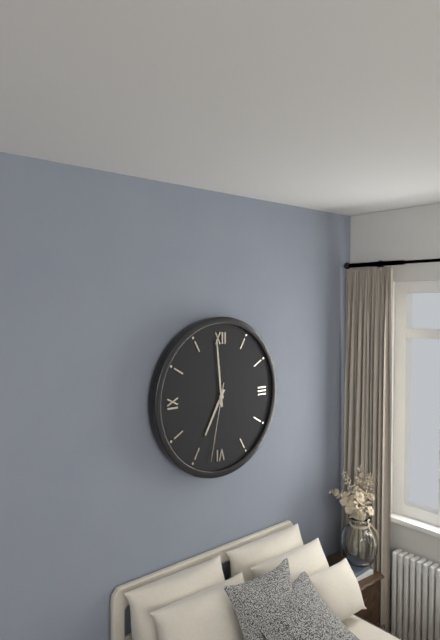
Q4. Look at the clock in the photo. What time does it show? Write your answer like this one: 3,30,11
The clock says 6,59,32
